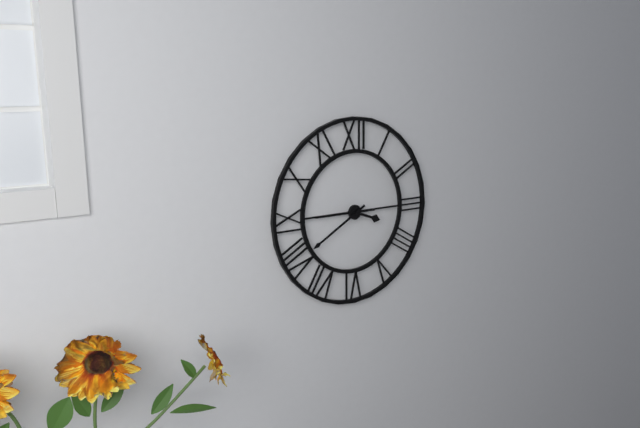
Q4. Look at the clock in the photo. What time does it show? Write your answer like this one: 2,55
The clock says 3,40
